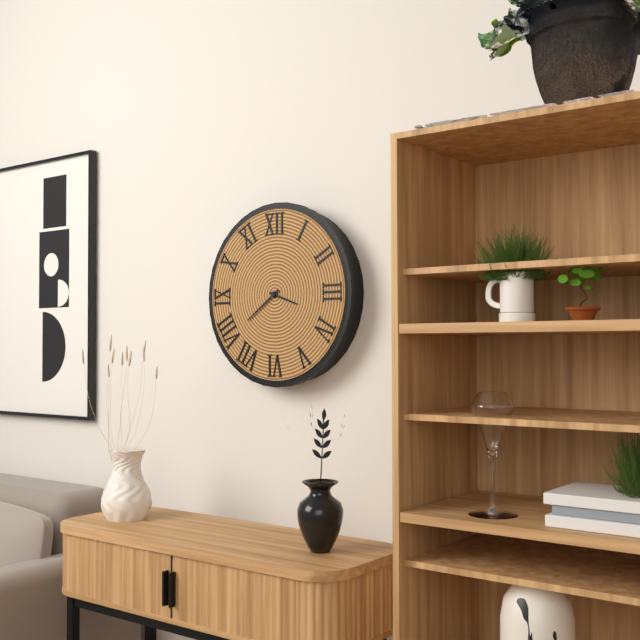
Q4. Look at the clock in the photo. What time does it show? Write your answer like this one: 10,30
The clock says 3,39
